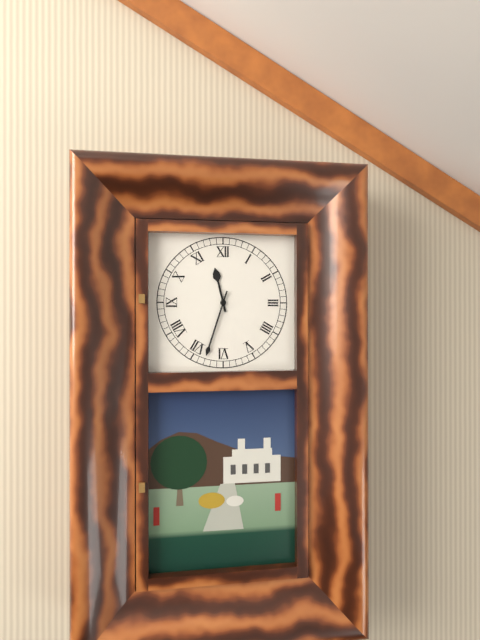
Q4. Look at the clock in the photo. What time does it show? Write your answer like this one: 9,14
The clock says 11,33
